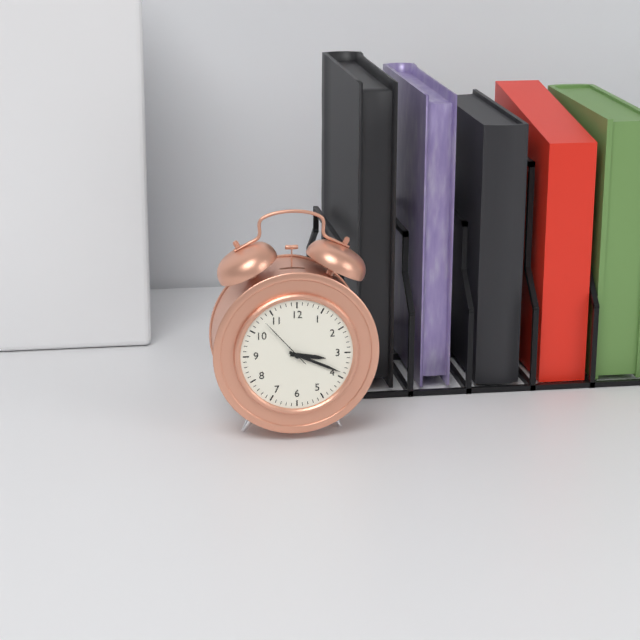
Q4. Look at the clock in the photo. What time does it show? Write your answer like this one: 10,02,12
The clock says 3,19,53
